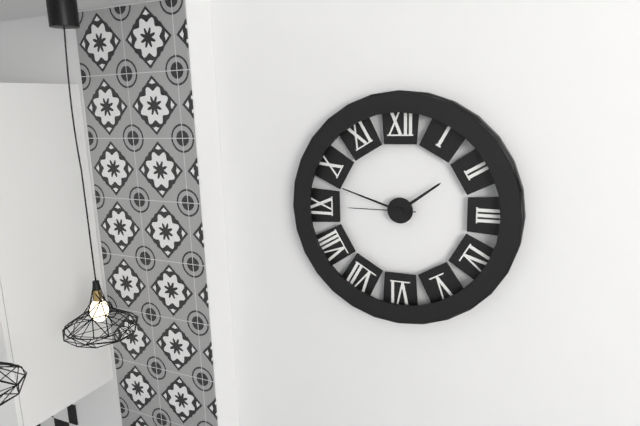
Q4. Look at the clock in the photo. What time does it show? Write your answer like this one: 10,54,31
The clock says 1,48,45
